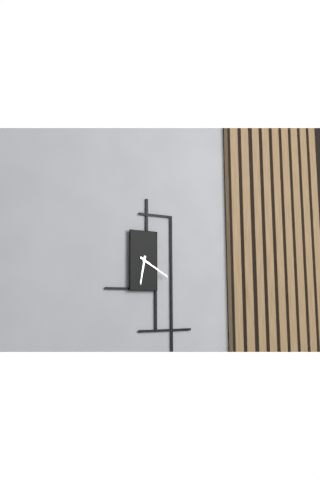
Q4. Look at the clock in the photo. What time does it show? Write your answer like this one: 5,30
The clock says 6,20
